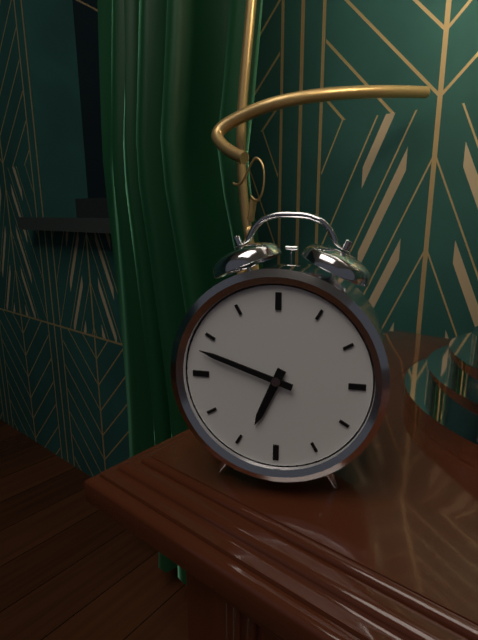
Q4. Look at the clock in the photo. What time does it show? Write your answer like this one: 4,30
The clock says 6,48
